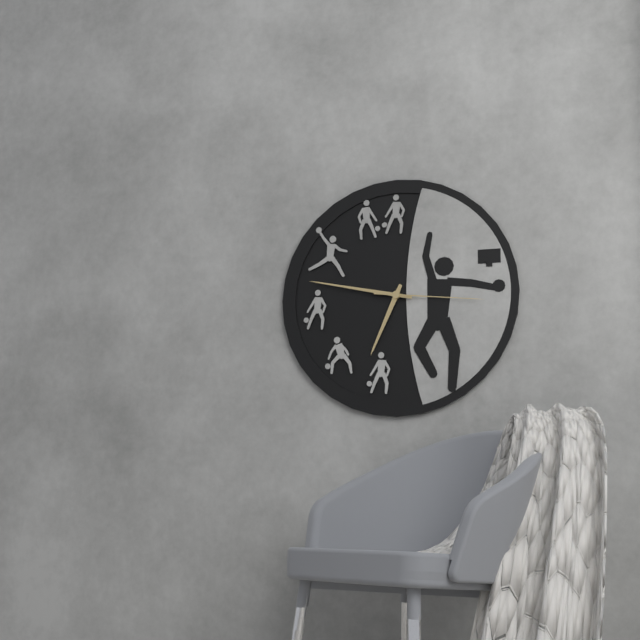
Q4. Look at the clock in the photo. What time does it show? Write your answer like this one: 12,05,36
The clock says 6,47,16
